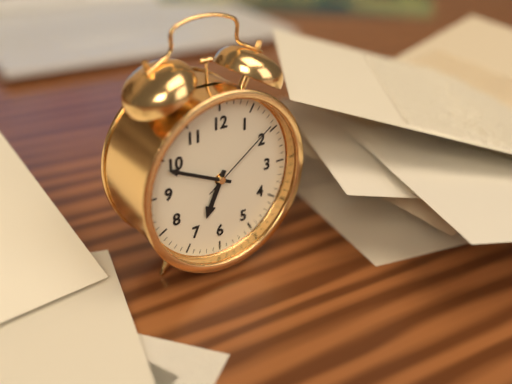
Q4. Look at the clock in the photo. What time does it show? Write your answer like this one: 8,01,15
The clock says 6,49,09
